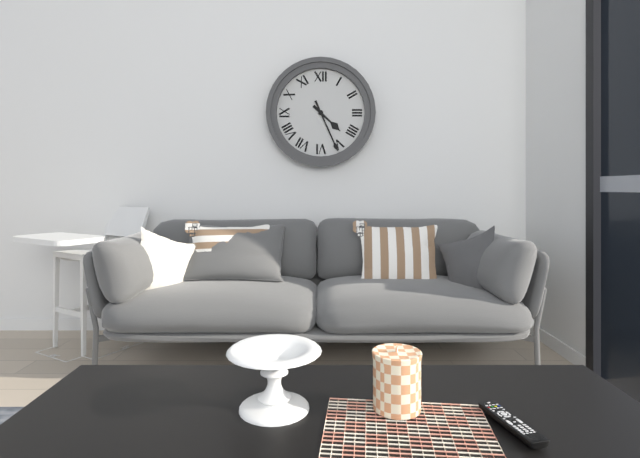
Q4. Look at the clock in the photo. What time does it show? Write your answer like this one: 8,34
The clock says 4,26
